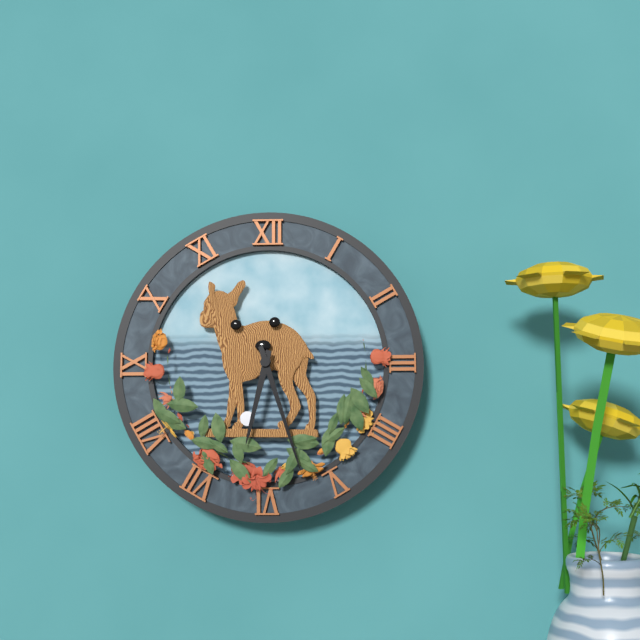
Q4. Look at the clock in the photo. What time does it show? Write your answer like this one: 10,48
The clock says 6,27
